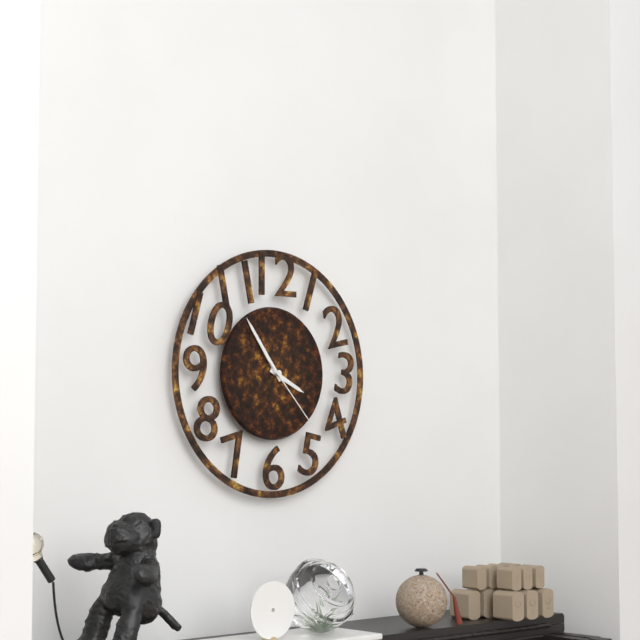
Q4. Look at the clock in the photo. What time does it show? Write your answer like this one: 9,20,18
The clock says 3,54,23
